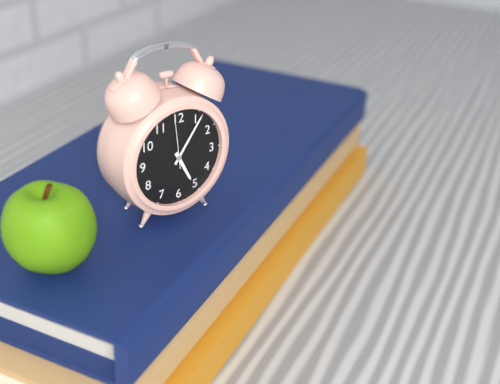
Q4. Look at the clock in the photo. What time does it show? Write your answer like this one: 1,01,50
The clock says 5,06,59
